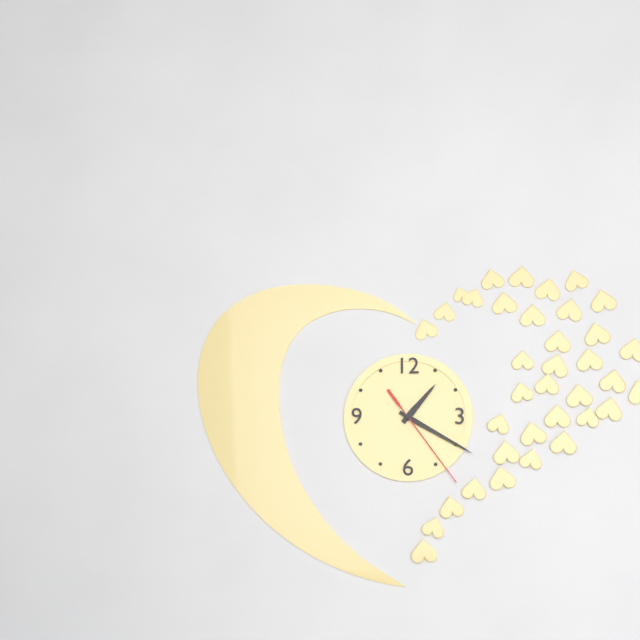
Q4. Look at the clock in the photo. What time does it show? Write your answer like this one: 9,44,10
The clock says 1,20,24
